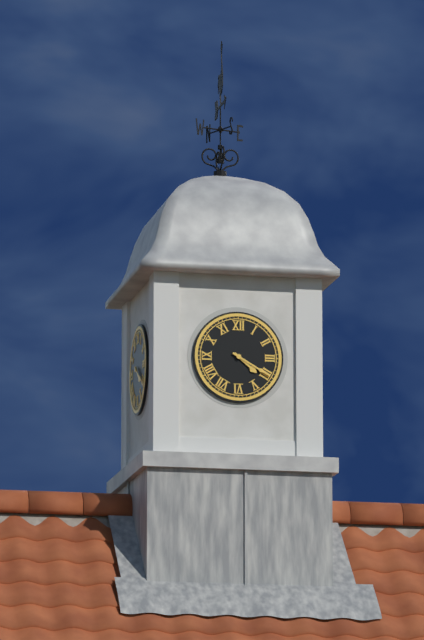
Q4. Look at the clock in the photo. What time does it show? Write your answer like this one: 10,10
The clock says 4,20
